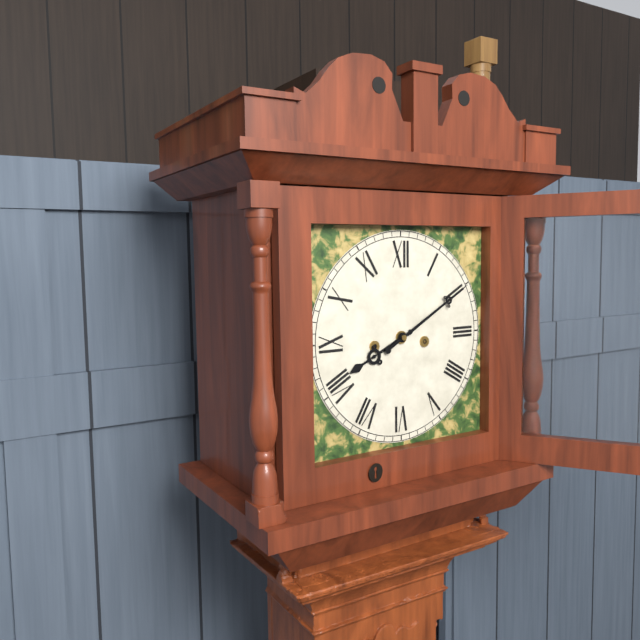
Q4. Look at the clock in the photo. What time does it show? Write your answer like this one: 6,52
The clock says 8,10
